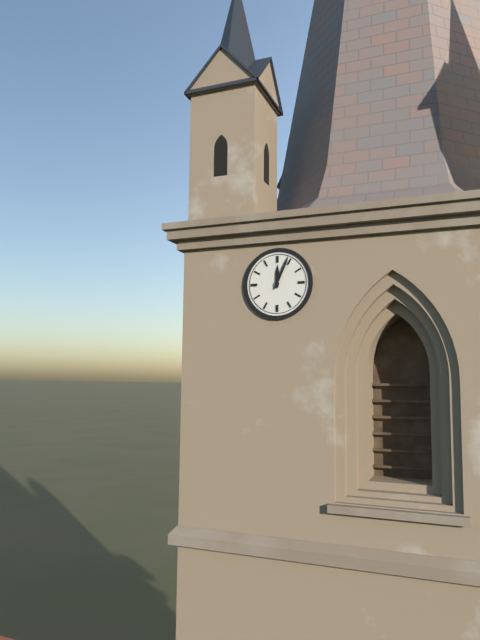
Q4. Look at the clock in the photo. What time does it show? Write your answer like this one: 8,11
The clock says 12,04
